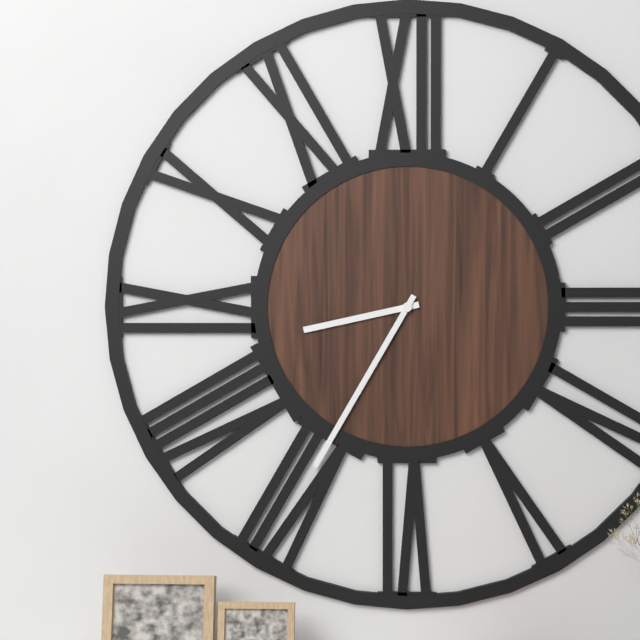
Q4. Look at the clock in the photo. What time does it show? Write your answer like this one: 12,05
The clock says 8,35
